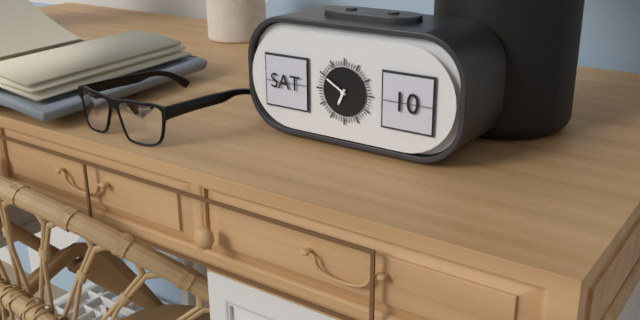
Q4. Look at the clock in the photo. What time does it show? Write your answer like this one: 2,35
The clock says 6,50
